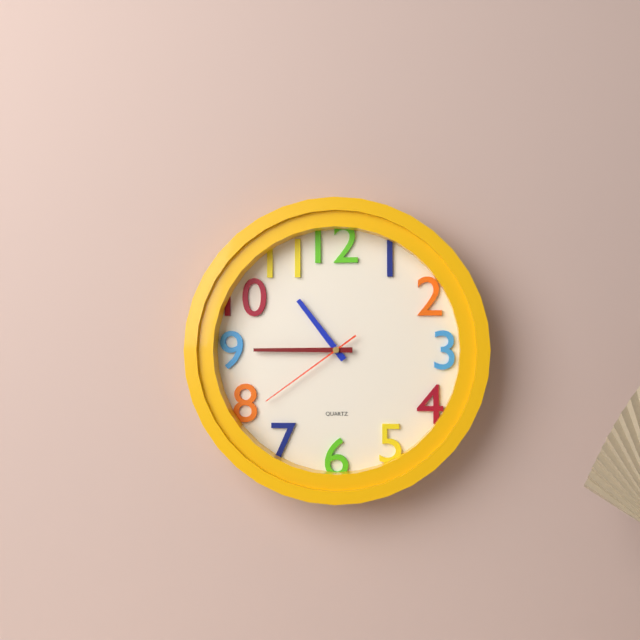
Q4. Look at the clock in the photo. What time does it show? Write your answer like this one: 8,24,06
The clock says 10,45,39
